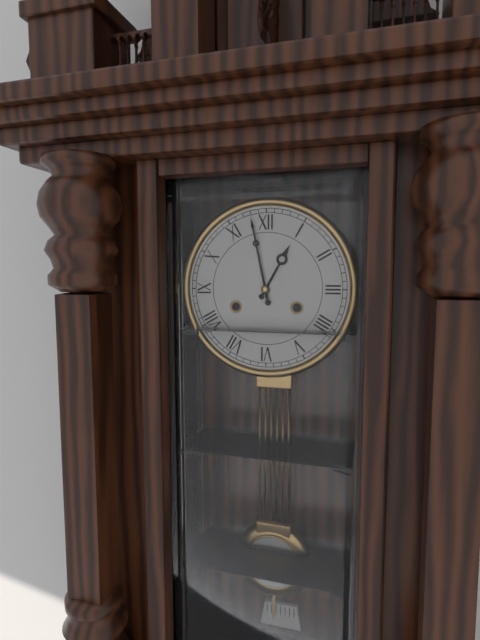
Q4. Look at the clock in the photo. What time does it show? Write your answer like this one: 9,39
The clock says 12,58
